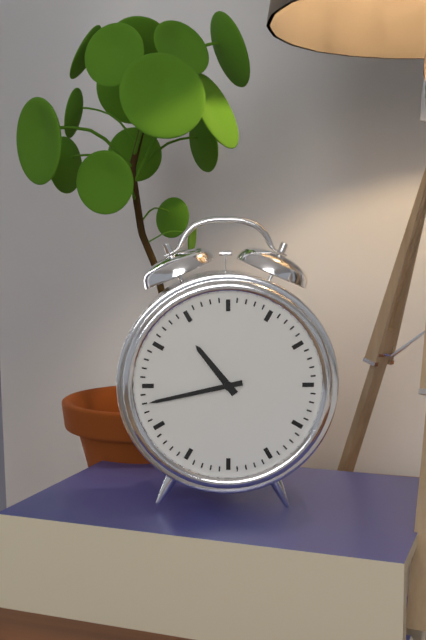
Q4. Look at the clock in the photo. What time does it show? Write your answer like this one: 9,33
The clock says 10,43
